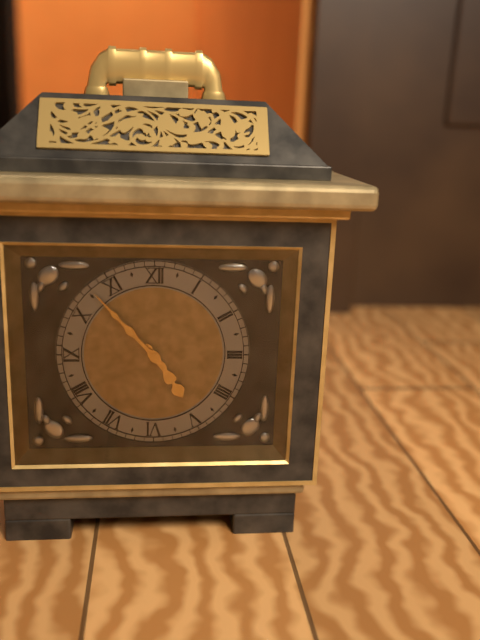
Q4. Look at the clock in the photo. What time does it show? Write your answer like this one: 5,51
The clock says 4,53
